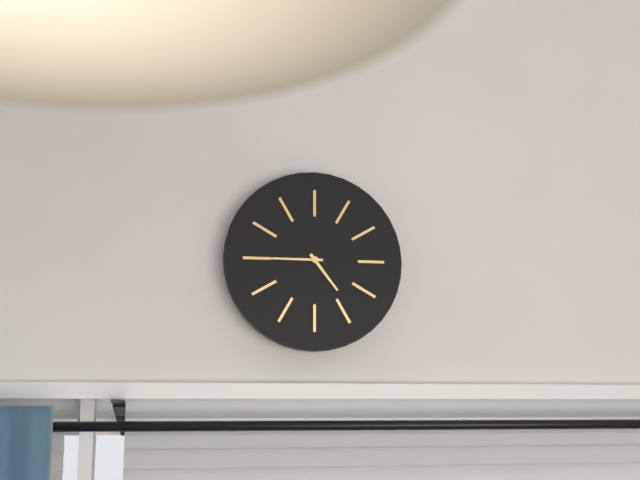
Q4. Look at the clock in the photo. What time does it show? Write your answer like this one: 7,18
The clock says 4,45
